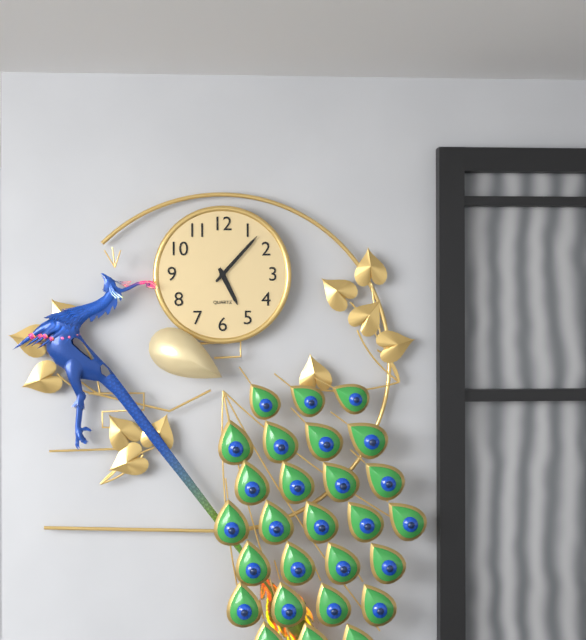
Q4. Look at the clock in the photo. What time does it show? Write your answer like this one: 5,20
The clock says 5,07
